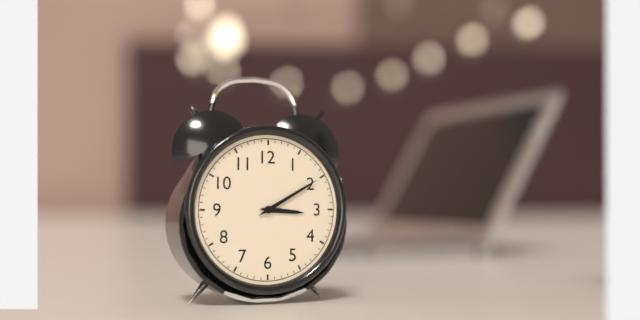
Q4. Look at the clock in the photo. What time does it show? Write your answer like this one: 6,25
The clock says 3,10
